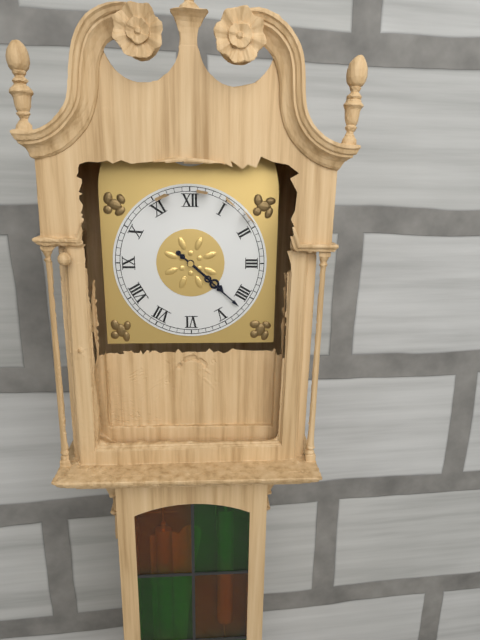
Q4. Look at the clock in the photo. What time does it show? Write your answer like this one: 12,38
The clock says 4,22
